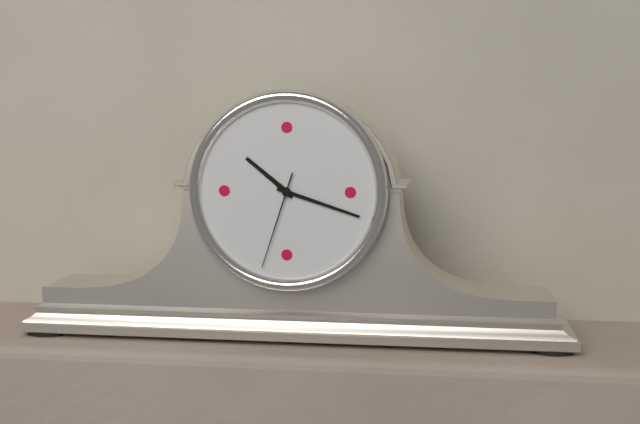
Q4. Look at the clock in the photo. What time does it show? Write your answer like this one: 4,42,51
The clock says 10,18,33
